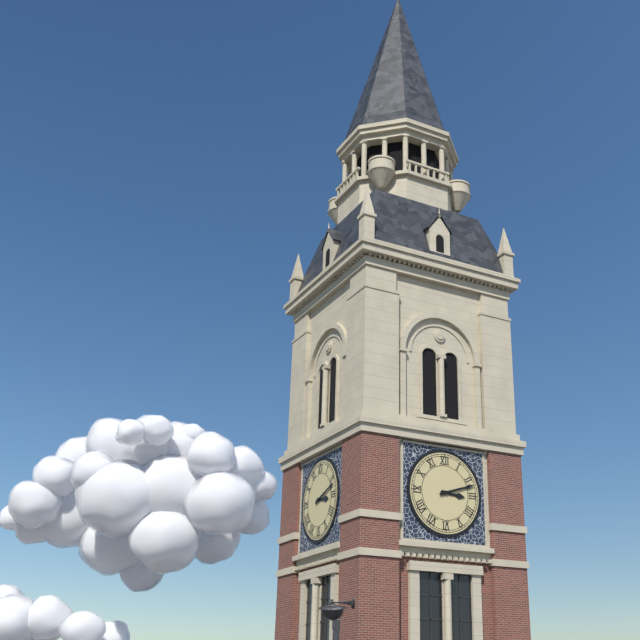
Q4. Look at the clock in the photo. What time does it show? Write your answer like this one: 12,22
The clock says 3,12
